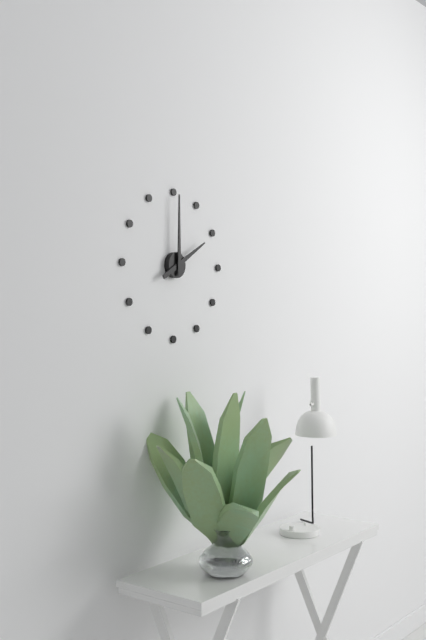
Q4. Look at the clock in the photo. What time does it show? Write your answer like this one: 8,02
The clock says 2,00
